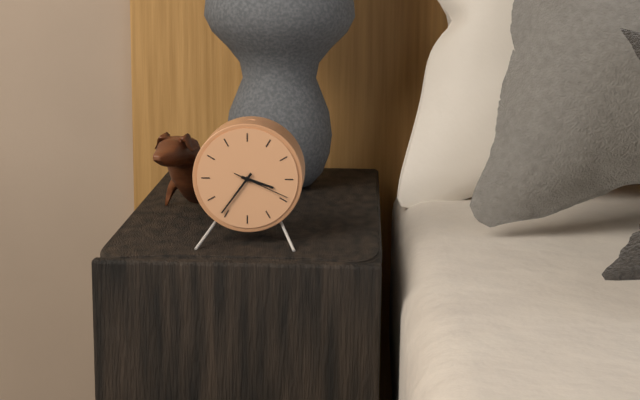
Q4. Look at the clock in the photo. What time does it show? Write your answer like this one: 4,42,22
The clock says 3,36,19
